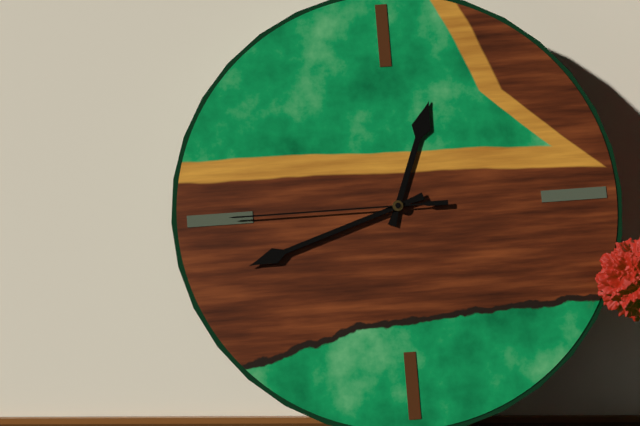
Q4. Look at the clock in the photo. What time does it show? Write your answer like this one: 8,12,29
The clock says 12,42,45
